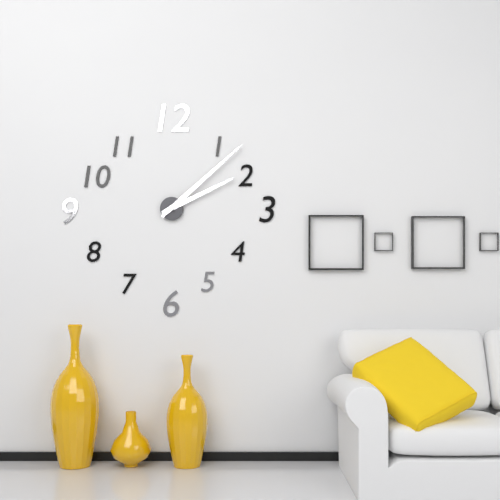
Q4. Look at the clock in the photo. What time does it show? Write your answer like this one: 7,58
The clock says 2,08
